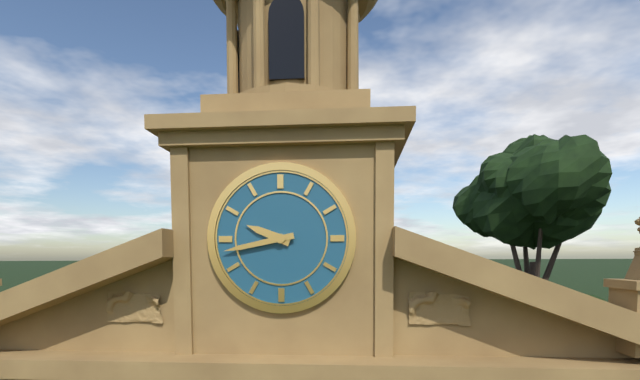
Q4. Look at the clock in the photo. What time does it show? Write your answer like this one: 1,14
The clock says 9,43
